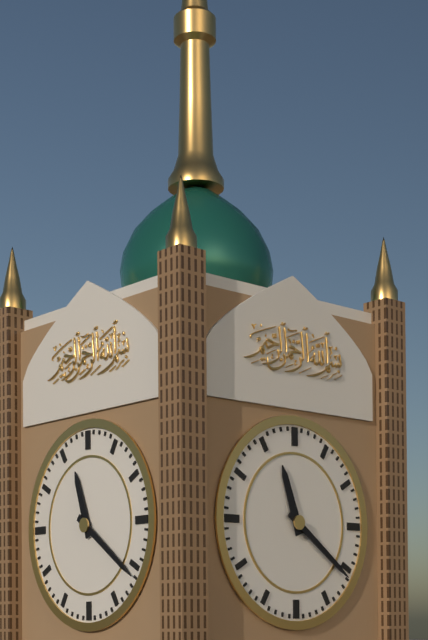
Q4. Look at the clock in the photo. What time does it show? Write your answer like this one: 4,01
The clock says 11,21
